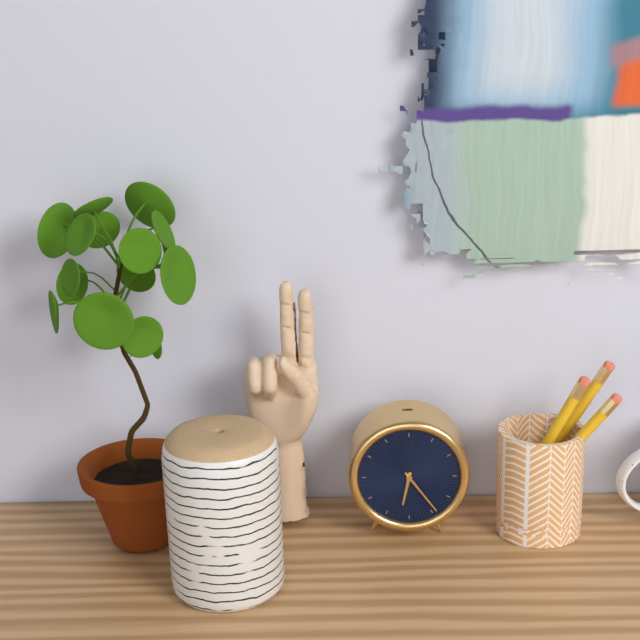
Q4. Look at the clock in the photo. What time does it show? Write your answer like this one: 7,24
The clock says 6,24
